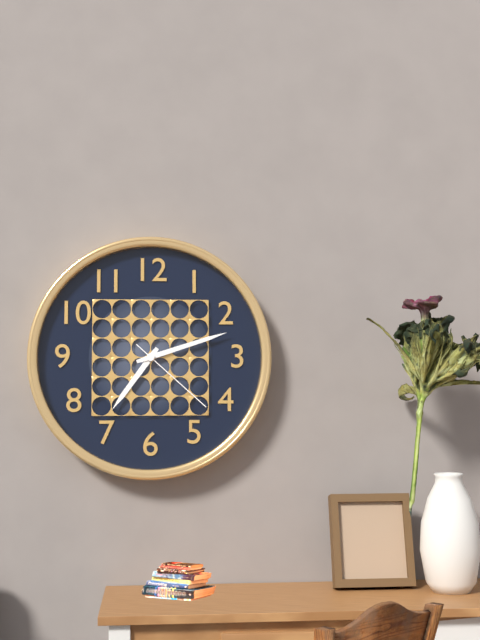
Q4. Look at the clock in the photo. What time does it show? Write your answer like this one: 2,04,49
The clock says 7,12,22
